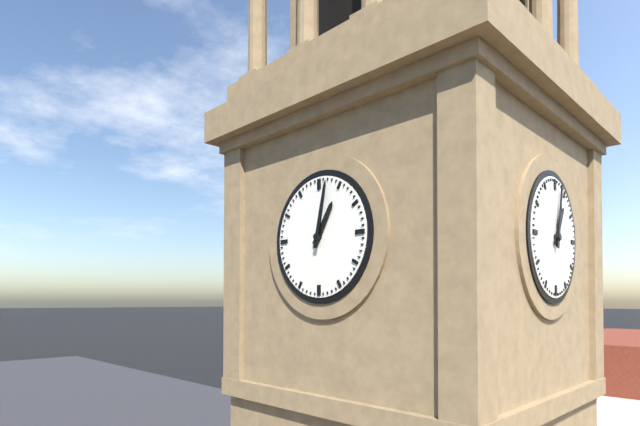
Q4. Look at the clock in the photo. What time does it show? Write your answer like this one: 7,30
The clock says 1,02
